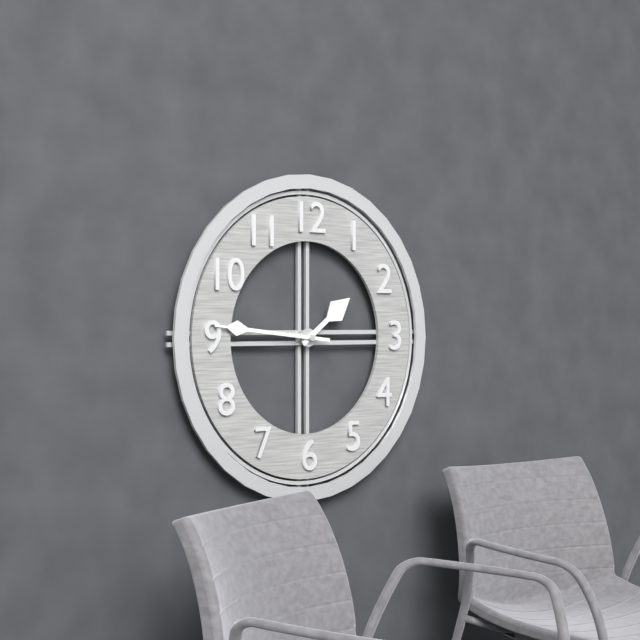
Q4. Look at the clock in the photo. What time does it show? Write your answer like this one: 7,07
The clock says 1,46
